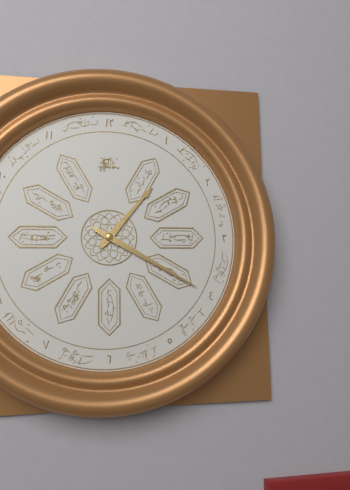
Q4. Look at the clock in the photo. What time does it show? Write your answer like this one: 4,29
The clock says 1,20
